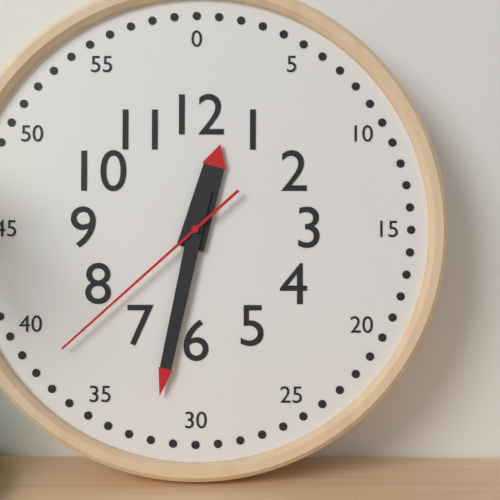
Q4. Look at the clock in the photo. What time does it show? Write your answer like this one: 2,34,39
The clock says 12,32,38
